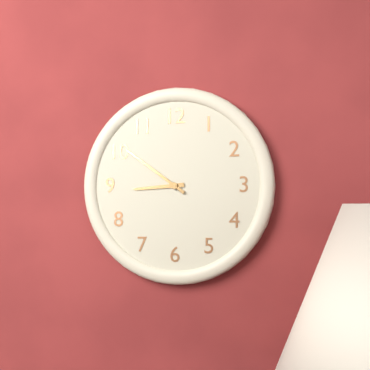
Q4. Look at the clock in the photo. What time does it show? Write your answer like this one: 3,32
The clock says 8,51
